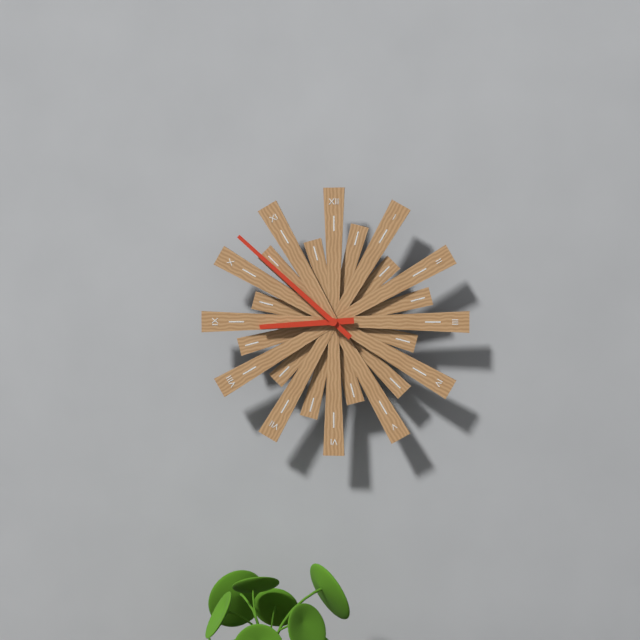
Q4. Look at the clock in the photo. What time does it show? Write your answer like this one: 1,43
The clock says 8,52
